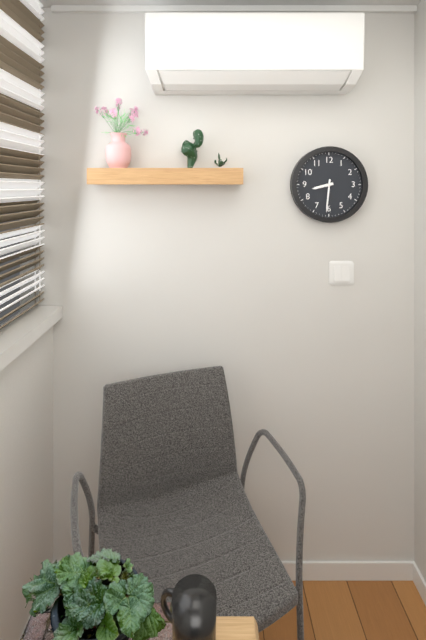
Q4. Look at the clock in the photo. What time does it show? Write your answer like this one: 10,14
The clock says 8,31
